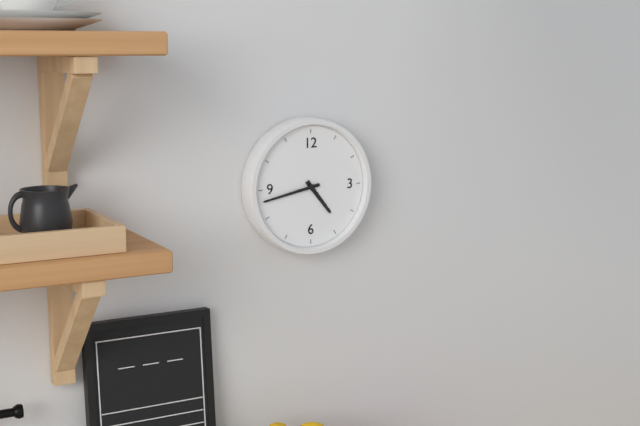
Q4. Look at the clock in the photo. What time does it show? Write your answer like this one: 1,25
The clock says 4,43
